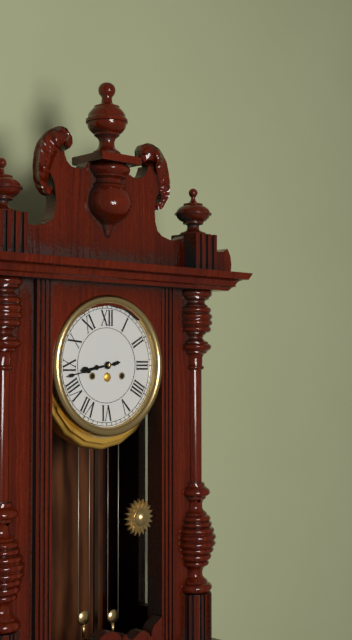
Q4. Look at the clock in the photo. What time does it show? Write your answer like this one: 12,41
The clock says 8,43
